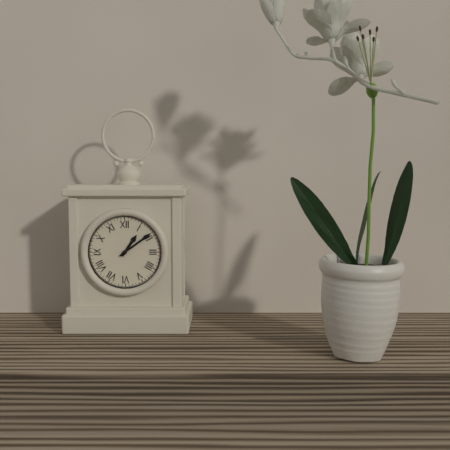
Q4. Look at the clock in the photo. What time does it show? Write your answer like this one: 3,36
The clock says 1,09
